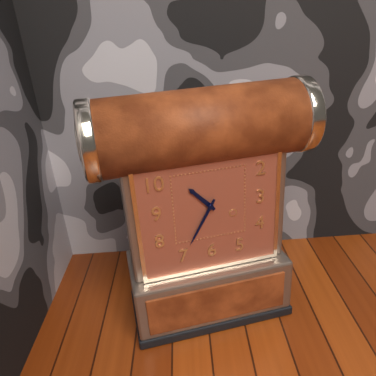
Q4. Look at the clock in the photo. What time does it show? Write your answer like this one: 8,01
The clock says 10,35
